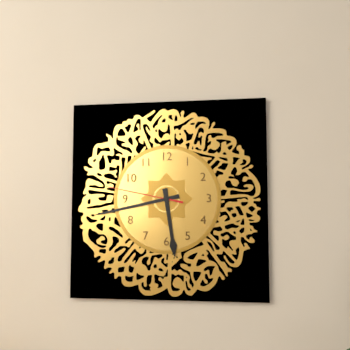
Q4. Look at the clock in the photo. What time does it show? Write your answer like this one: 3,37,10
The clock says 5,43,47
